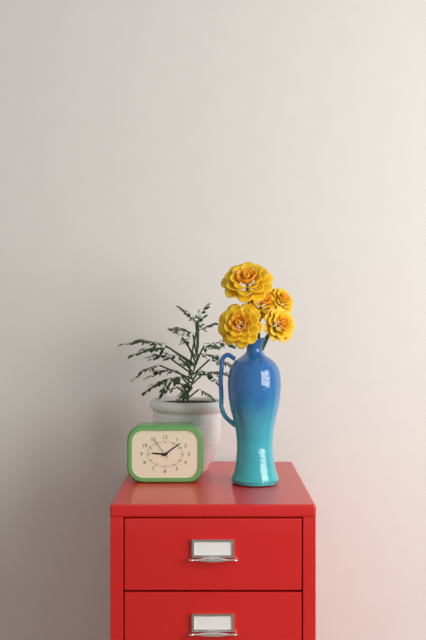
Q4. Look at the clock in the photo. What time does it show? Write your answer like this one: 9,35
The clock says 9,09
